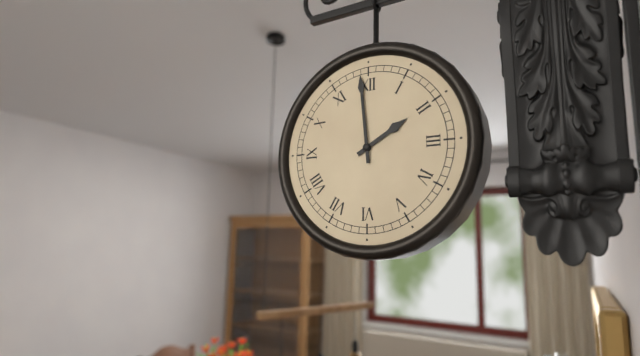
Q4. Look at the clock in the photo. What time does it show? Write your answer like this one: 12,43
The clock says 1,59
